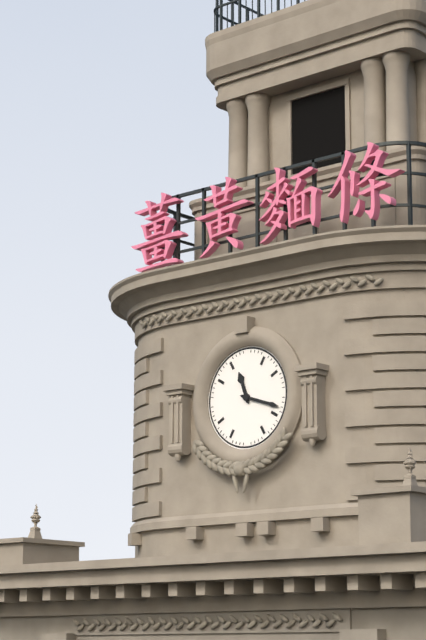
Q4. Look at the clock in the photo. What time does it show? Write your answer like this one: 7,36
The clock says 11,18
